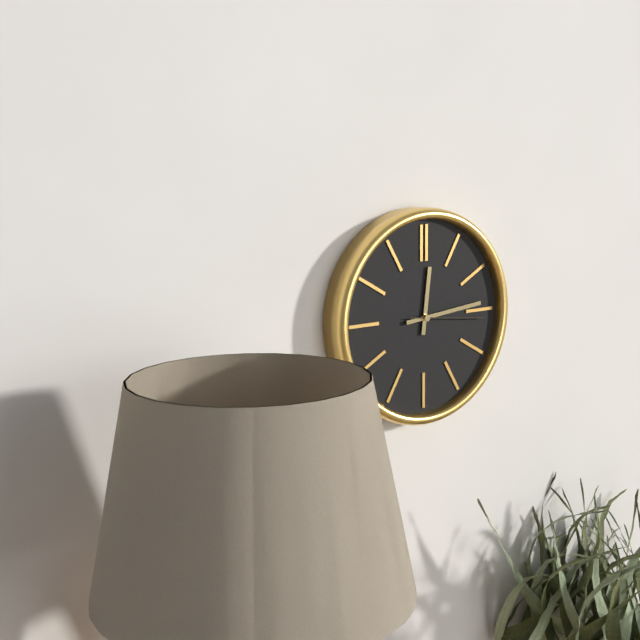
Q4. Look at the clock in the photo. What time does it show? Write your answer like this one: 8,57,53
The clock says 12,14,16
